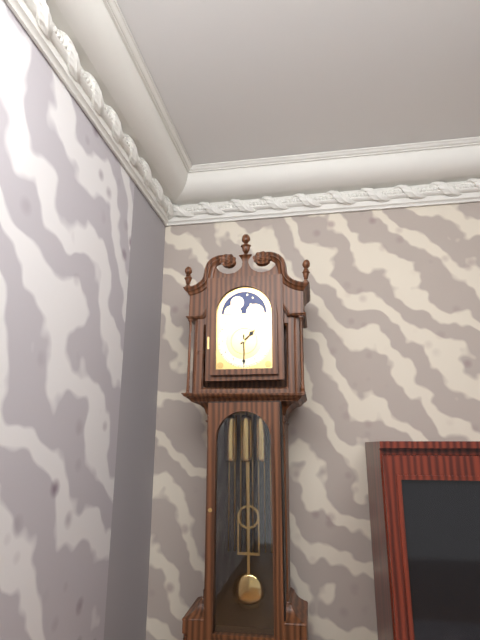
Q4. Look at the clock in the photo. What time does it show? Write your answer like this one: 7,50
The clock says 1,30
